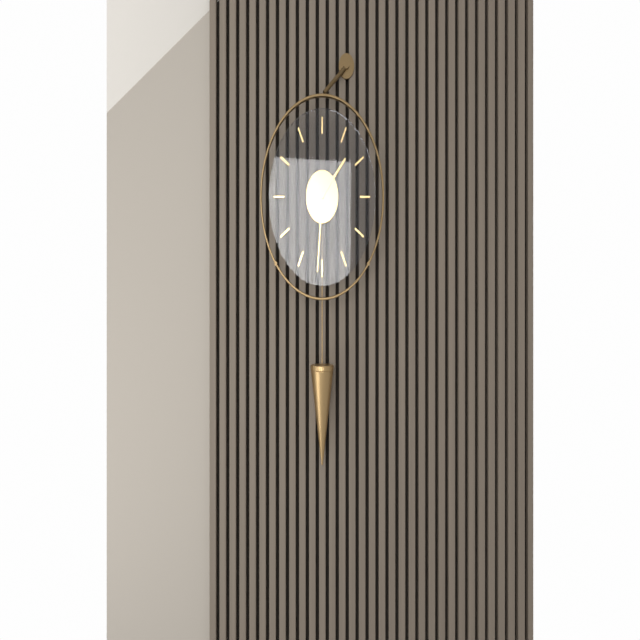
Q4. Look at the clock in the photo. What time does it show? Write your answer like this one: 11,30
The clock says 1,31
